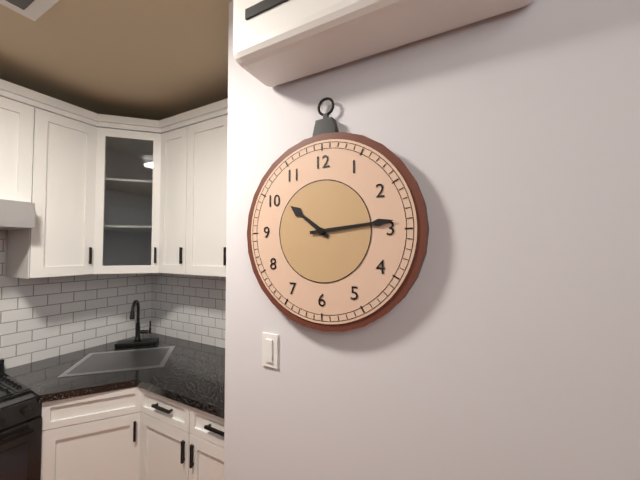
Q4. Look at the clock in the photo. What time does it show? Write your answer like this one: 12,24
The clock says 10,14
